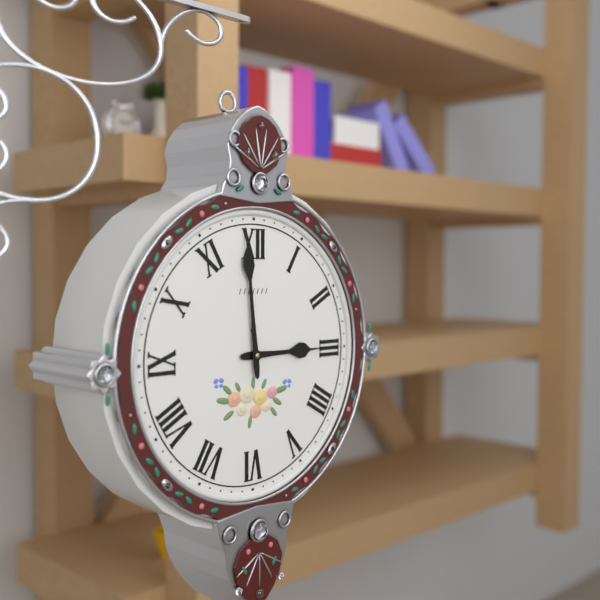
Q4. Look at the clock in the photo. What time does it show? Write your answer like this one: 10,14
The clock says 2,59
